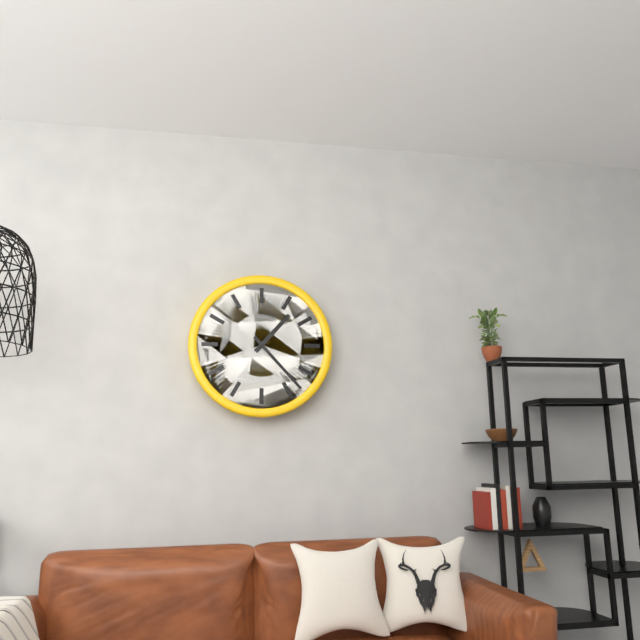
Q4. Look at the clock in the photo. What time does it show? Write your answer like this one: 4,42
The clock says 1,23
